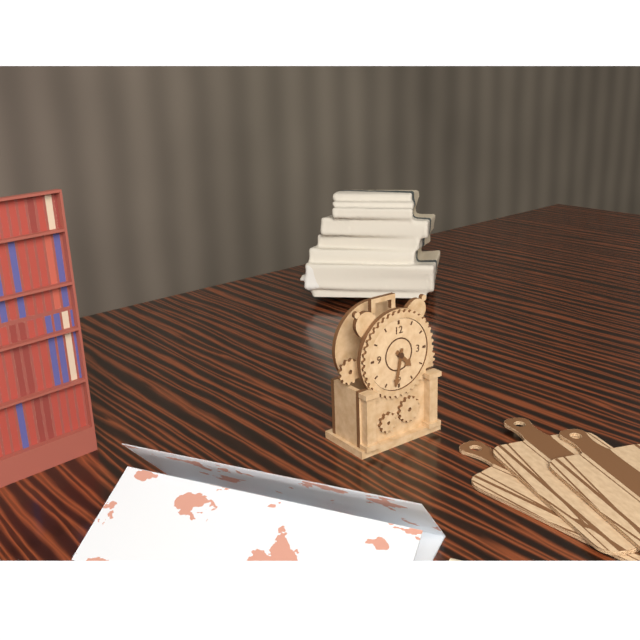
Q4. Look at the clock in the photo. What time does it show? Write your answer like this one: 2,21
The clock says 4,32
